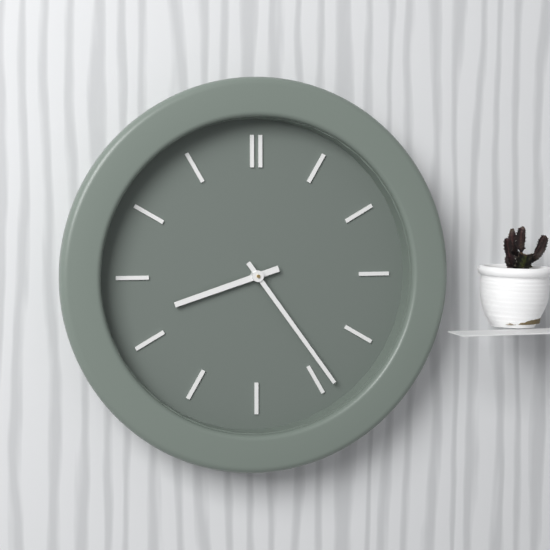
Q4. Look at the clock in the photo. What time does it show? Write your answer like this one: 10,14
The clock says 8,24
